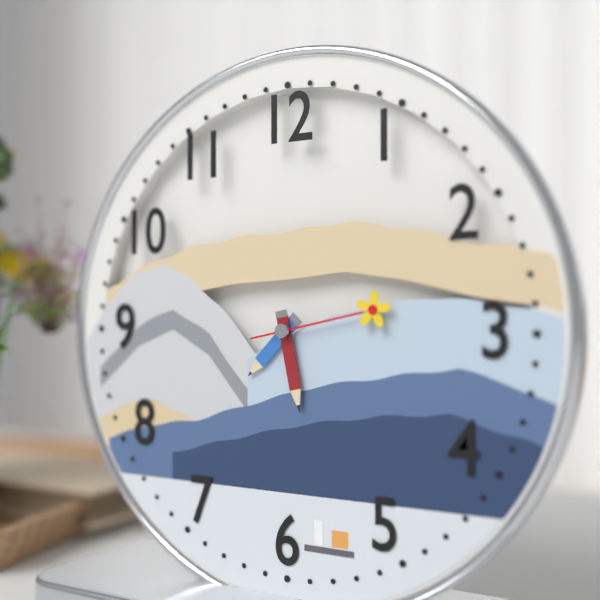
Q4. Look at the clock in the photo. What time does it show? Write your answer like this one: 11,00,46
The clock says 7,28,13
